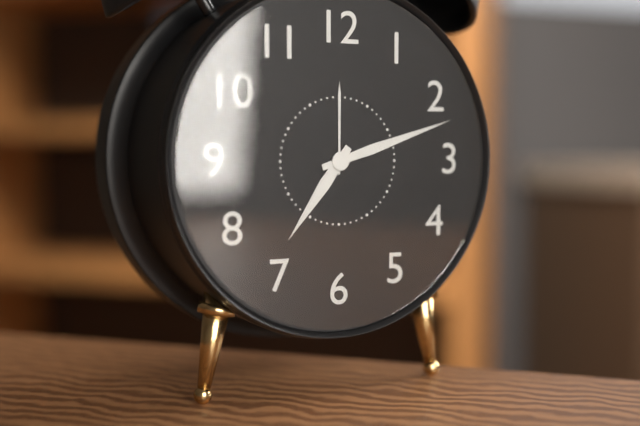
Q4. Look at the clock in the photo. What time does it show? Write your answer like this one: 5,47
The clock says 7,12
